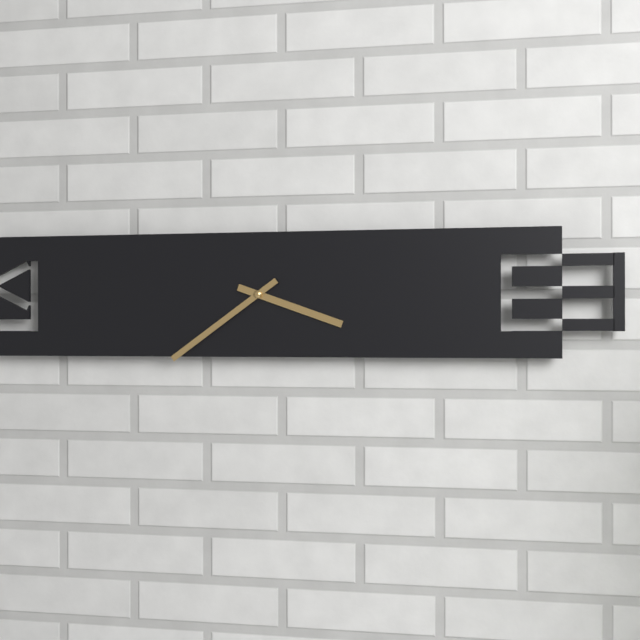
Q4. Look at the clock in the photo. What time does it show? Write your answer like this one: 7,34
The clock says 3,39
